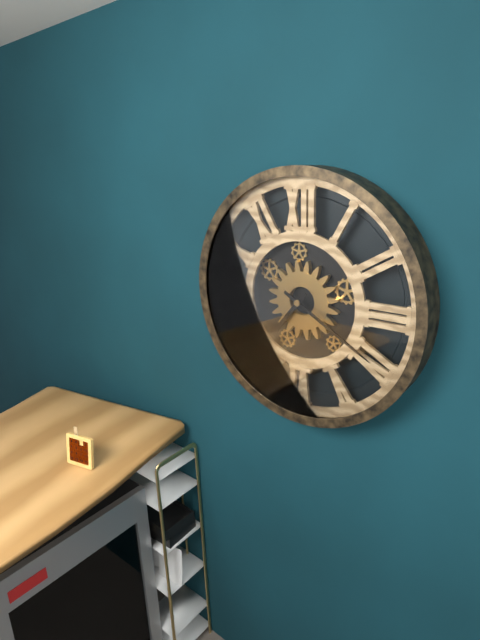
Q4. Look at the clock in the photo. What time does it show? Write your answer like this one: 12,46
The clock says 7,20
